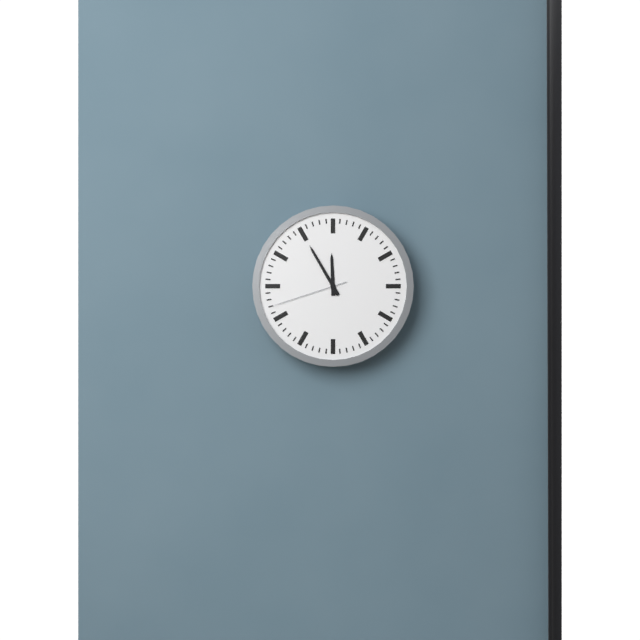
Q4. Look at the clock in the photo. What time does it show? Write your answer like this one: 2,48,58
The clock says 11,55,42
